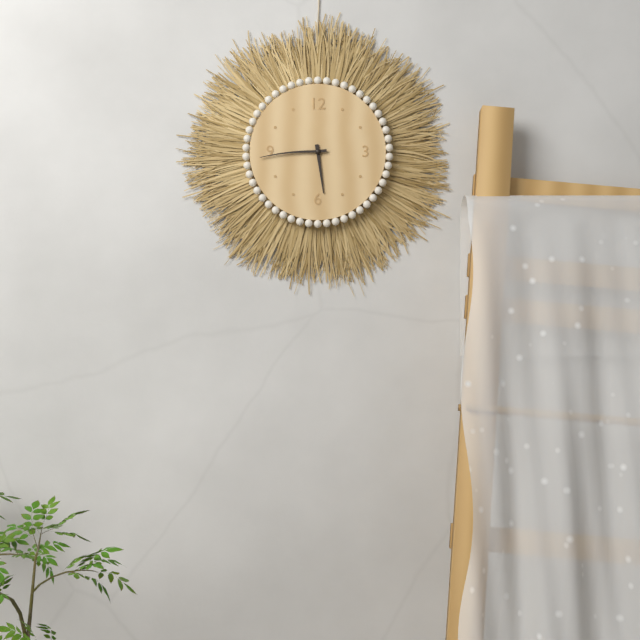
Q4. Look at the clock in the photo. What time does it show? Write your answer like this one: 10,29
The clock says 5,44
